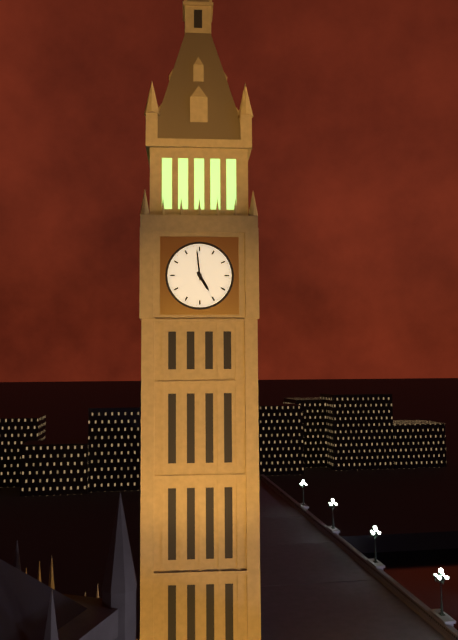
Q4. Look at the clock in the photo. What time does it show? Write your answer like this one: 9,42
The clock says 4,59
